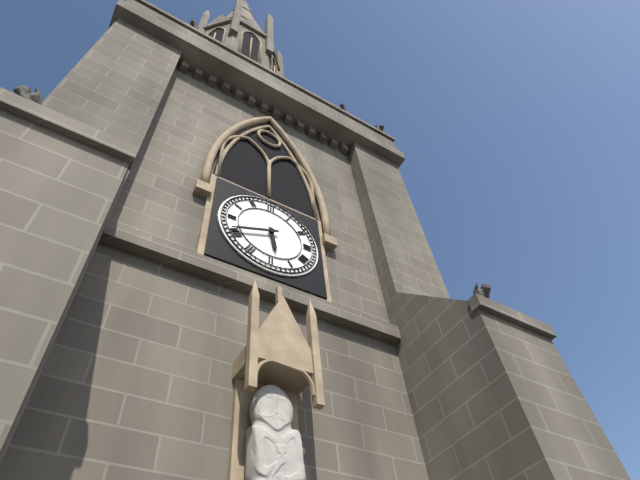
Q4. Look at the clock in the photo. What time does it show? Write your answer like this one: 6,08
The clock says 5,41
